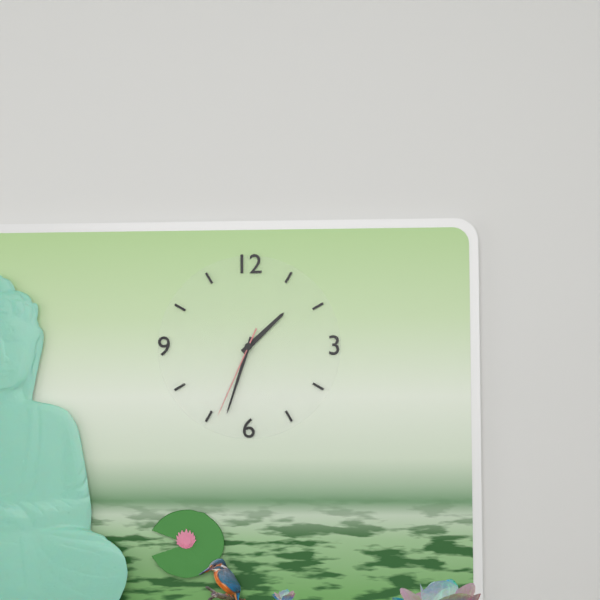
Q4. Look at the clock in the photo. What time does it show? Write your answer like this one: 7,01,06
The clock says 1,33,34
